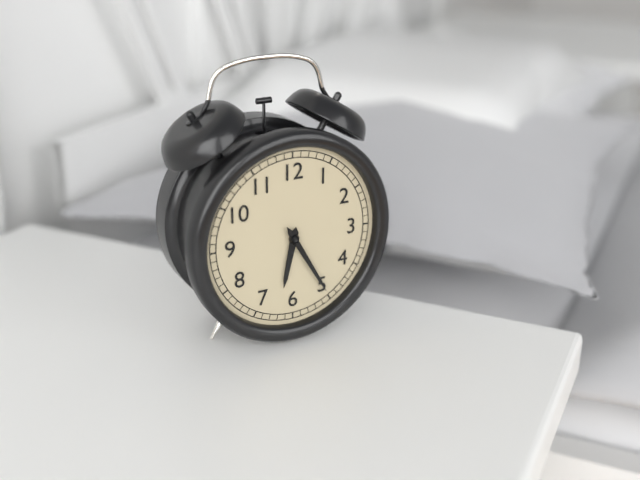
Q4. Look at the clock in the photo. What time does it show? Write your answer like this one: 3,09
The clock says 6,25
